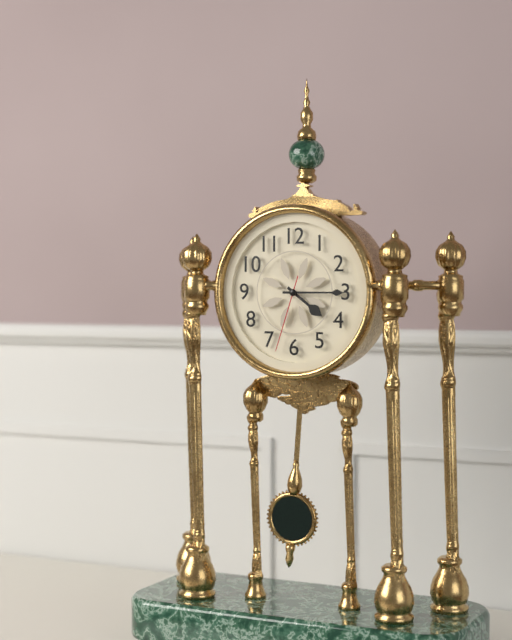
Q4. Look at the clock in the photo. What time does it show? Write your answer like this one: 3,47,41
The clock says 4,15,33
